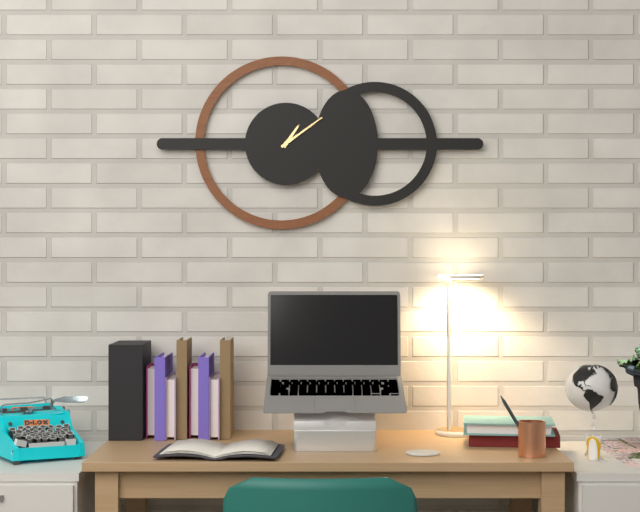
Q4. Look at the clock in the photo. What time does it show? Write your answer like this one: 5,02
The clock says 1,09
